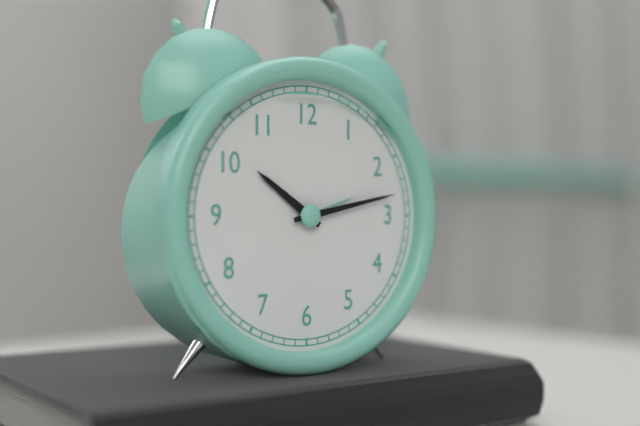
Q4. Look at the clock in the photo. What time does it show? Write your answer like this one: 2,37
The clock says 10,13
